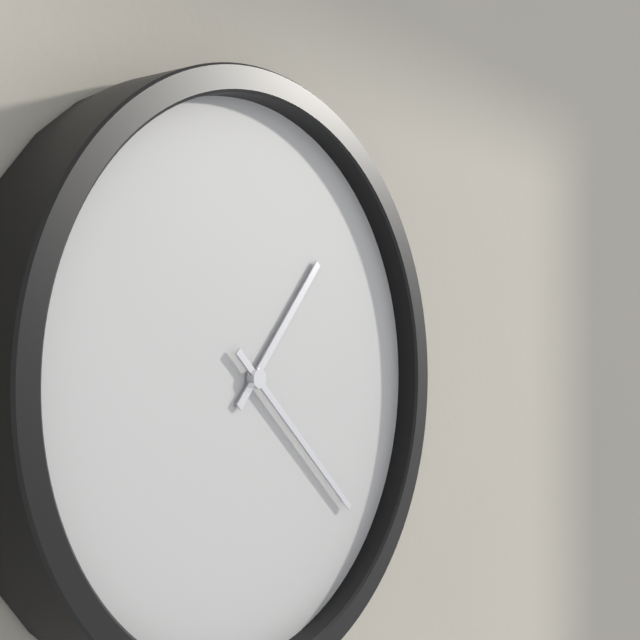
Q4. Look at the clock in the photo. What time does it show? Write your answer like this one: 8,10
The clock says 1,22
